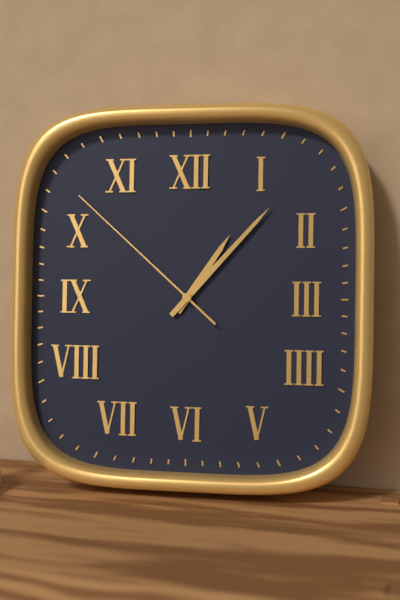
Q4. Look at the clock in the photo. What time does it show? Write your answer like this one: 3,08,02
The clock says 1,07,52
